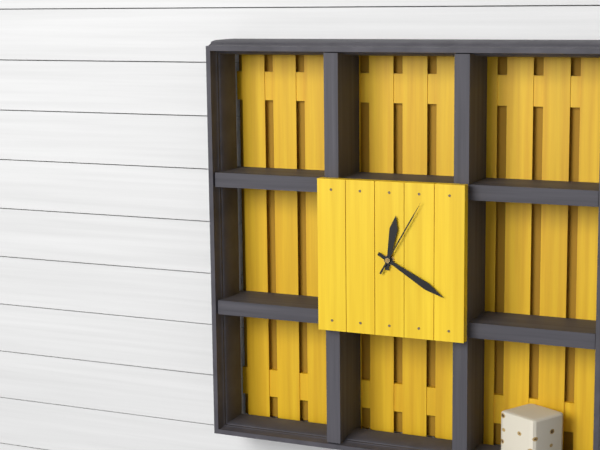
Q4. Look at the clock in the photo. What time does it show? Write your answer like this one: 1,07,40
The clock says 12,20,05
